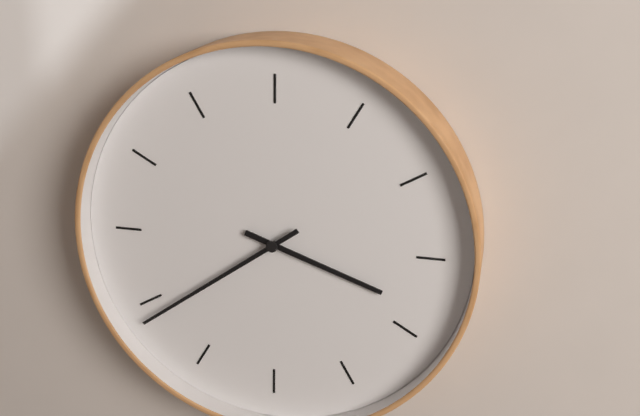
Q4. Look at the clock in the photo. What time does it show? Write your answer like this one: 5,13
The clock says 3,39
